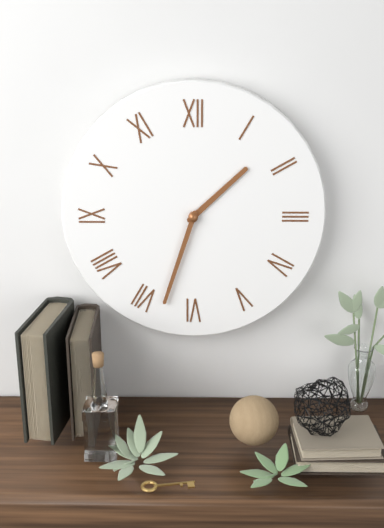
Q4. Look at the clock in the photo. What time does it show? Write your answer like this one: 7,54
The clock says 1,33
